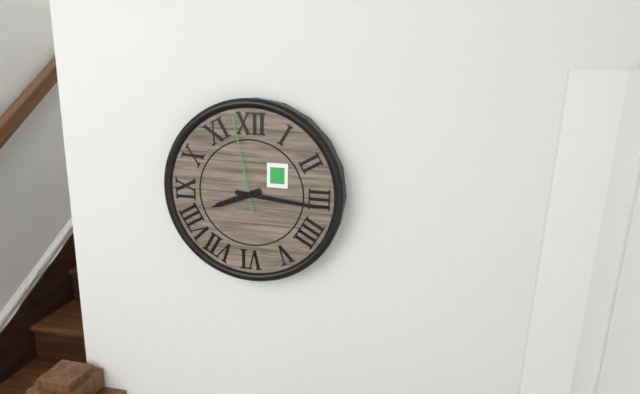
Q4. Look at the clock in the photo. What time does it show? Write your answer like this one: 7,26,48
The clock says 8,16,58
